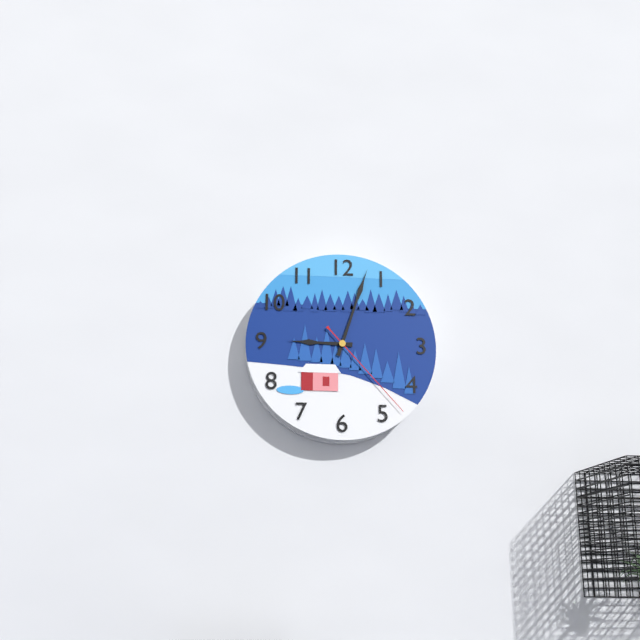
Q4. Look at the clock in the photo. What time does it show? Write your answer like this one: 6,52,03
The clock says 9,03,23
